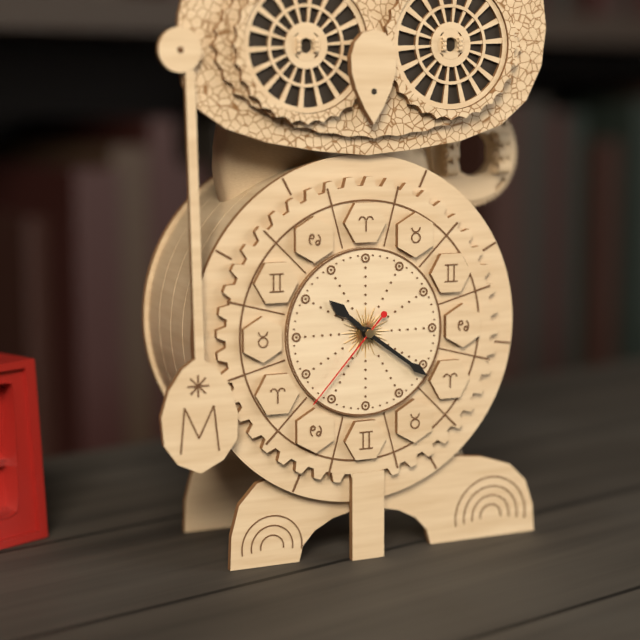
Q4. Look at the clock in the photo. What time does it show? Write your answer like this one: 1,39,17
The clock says 10,21,37
